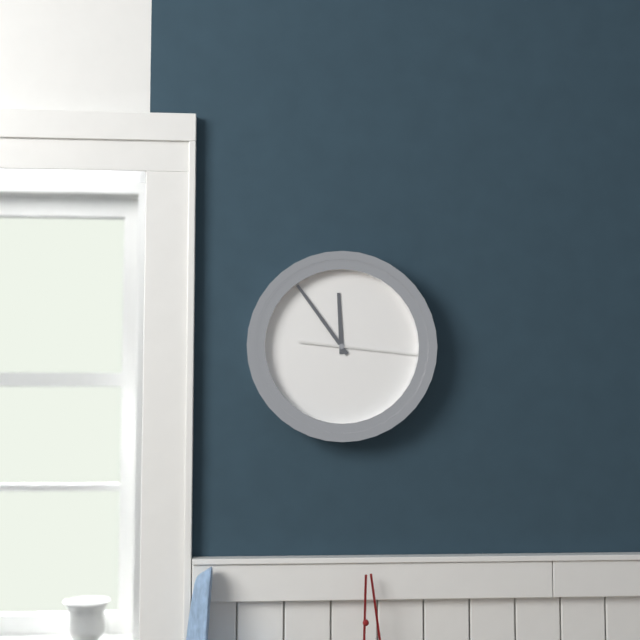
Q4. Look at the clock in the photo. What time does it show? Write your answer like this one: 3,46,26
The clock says 11,54,16
